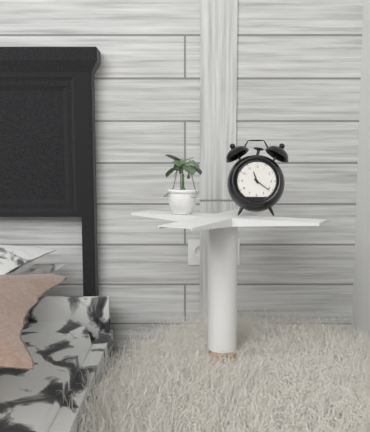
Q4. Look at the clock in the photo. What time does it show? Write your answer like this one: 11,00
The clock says 11,21
